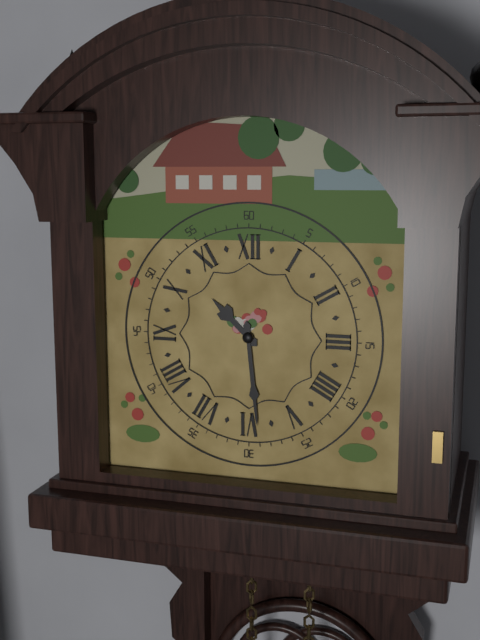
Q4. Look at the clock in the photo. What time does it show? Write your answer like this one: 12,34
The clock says 10,29
